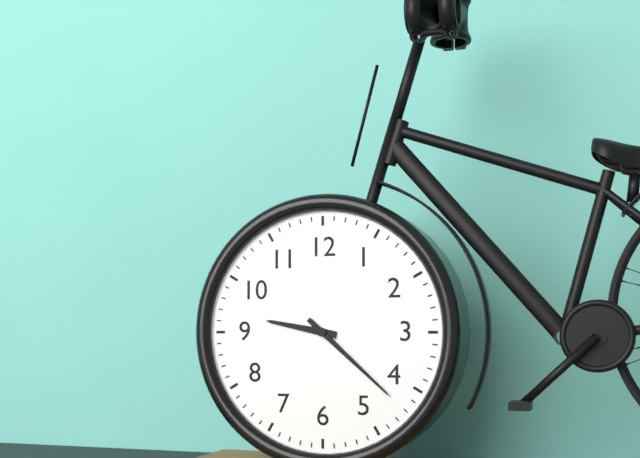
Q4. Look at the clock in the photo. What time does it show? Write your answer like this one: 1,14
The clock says 9,22
